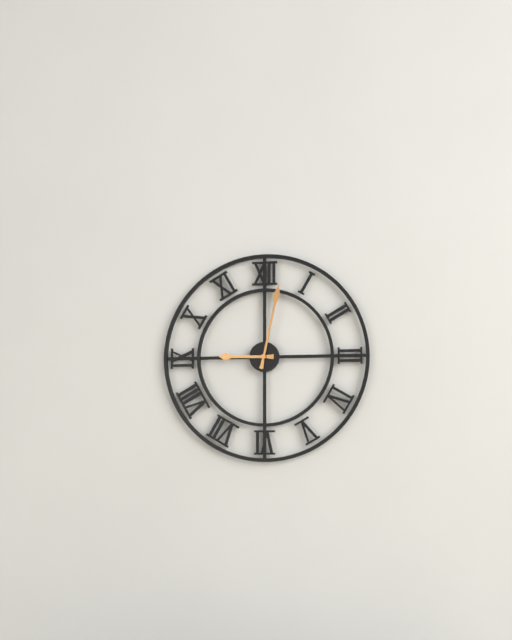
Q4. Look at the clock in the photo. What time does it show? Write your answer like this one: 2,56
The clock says 9,02
